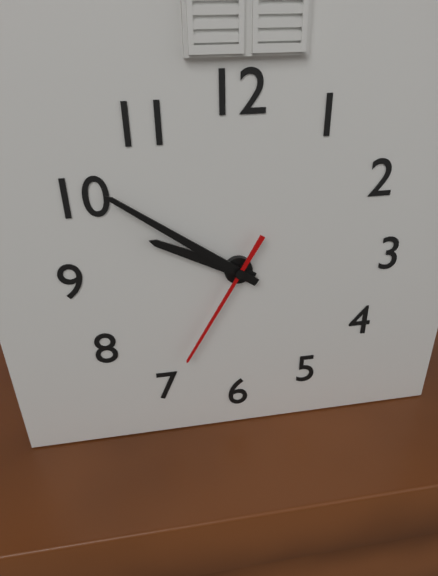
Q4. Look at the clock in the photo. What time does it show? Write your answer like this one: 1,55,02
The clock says 9,51,35
